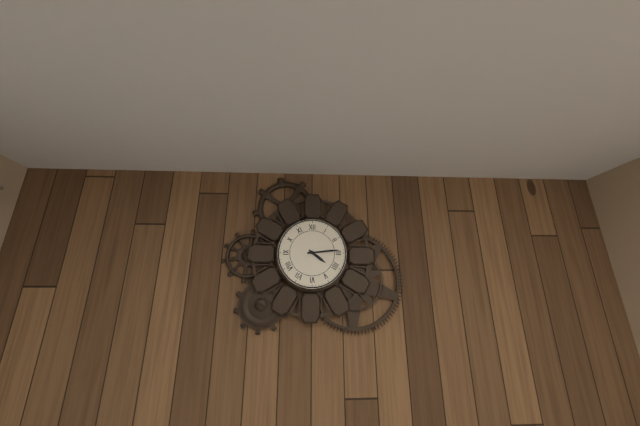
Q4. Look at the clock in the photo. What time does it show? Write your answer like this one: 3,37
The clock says 4,14
